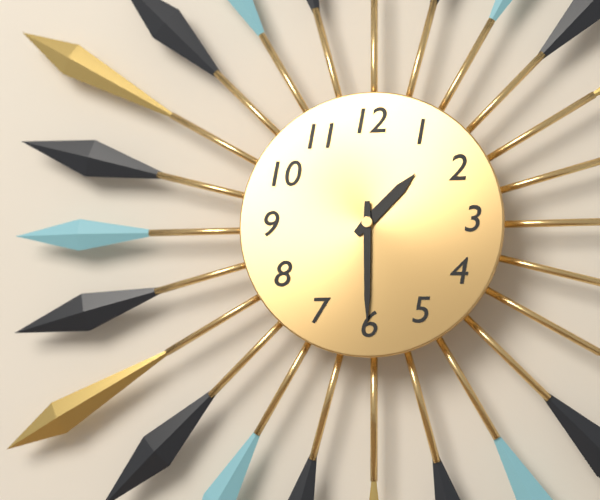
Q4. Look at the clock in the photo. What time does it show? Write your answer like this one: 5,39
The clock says 1,30
